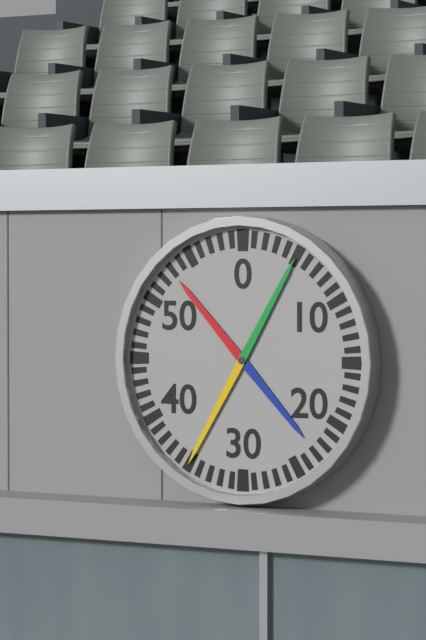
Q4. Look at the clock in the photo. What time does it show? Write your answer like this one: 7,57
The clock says 10,35
